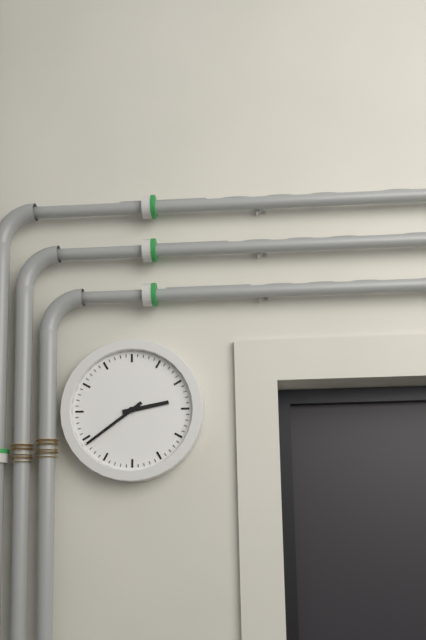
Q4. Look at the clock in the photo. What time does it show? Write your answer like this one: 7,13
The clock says 2,39
